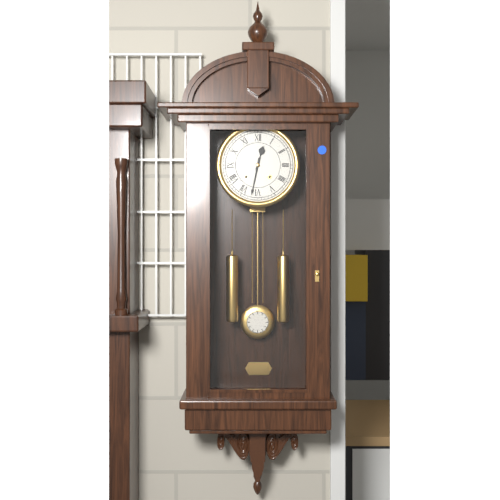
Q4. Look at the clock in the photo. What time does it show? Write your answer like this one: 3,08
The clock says 12,32
